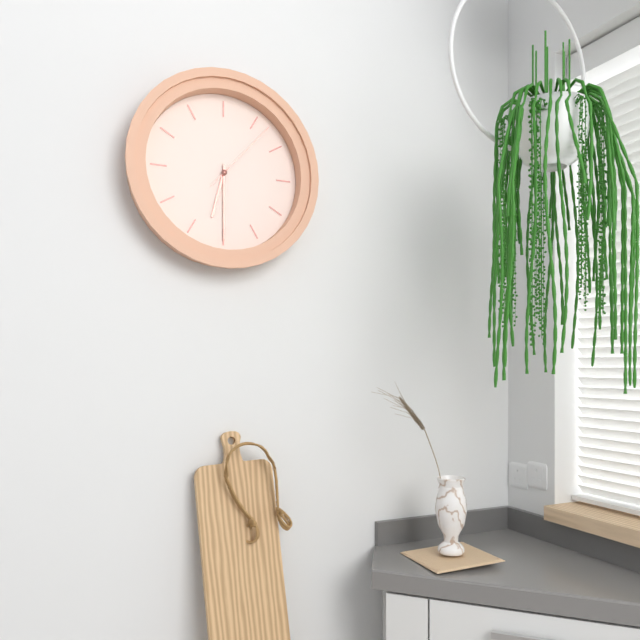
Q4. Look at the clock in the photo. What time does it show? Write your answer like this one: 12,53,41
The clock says 6,30,07
